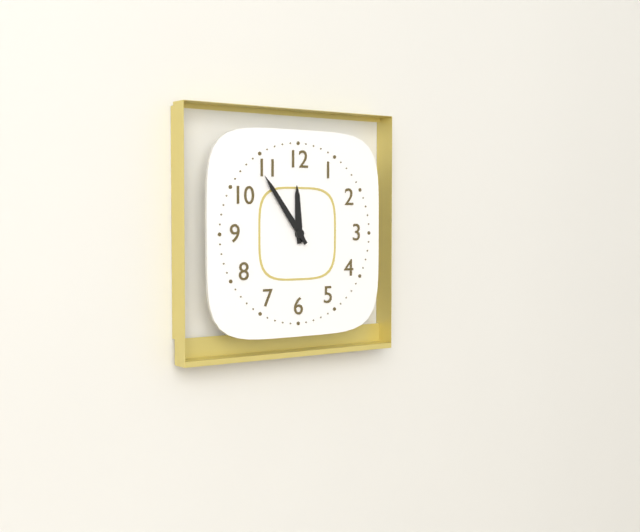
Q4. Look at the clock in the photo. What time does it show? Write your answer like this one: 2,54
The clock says 11,54
